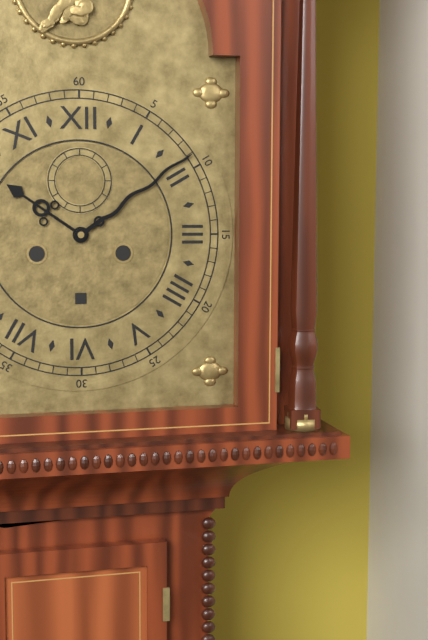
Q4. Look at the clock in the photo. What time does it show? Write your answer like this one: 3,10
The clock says 10,09
